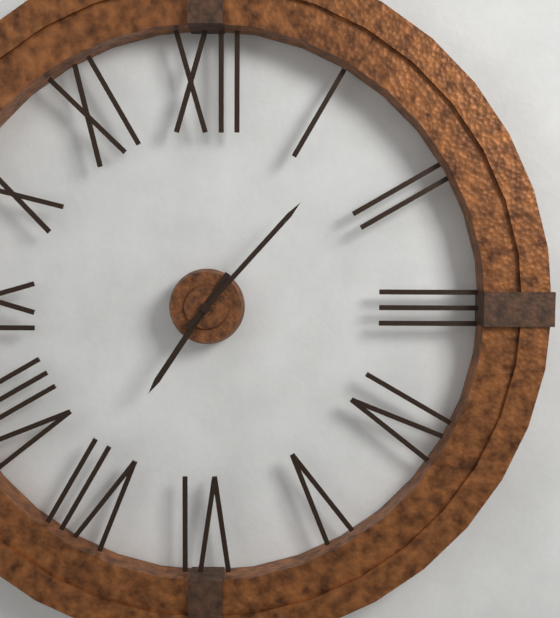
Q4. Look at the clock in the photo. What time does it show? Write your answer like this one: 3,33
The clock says 7,07
